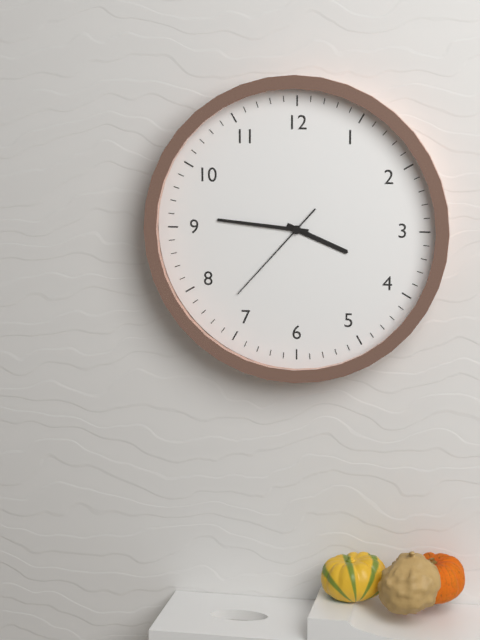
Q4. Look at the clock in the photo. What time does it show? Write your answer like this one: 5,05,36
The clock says 3,46,37
